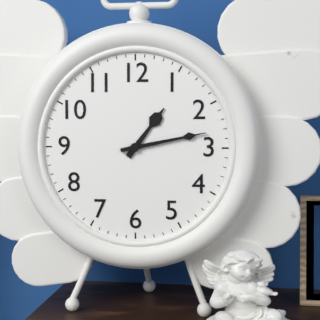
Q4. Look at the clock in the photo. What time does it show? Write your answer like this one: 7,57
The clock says 1,13
